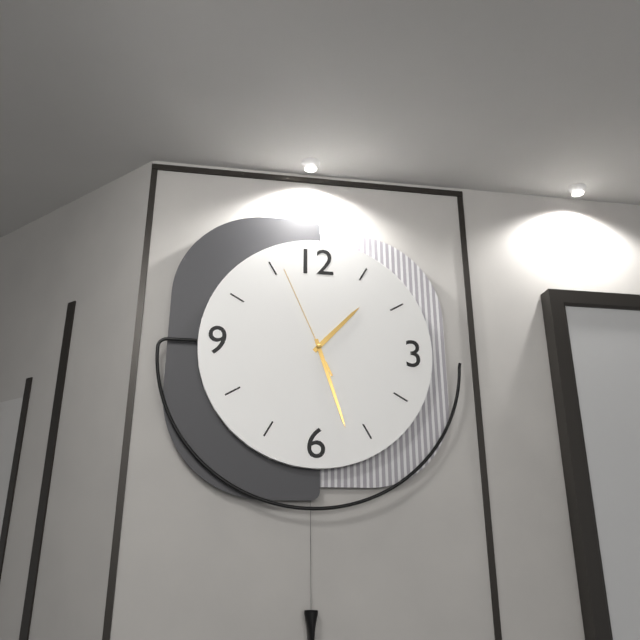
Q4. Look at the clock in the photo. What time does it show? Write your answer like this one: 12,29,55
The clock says 1,27,56
